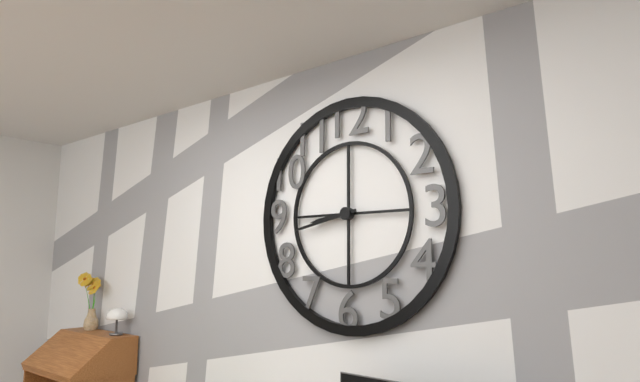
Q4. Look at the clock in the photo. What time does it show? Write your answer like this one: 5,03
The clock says 8,43
